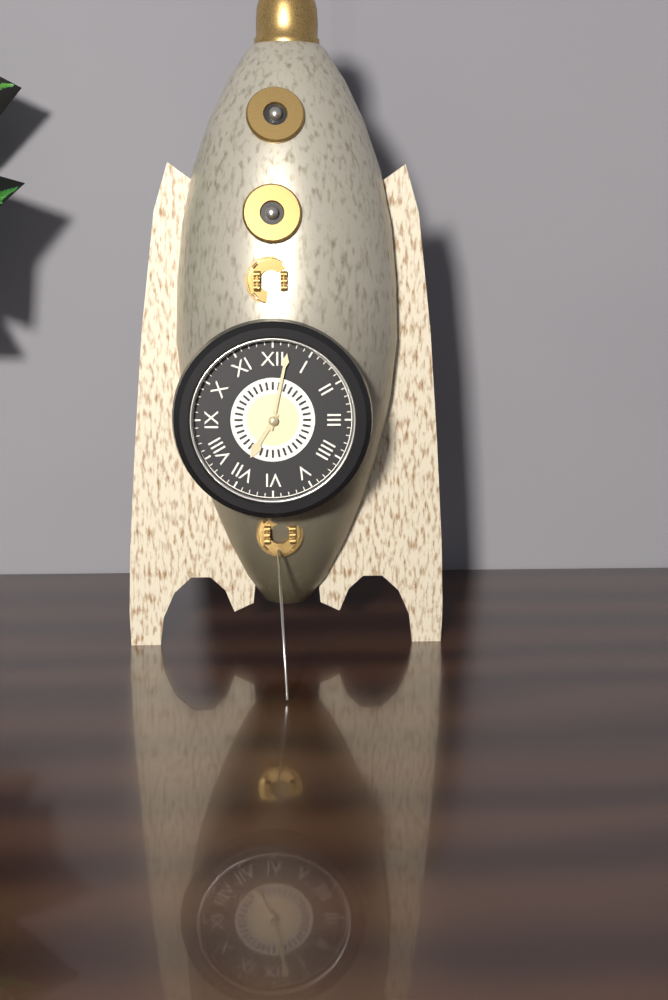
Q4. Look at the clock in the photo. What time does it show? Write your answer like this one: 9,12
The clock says 7,02
